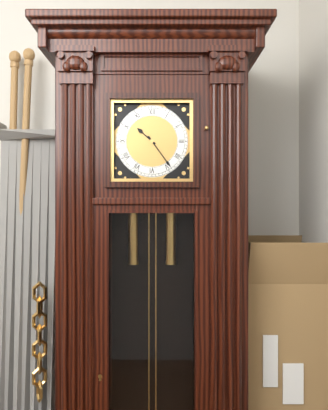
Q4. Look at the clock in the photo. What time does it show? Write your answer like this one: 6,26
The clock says 10,24
